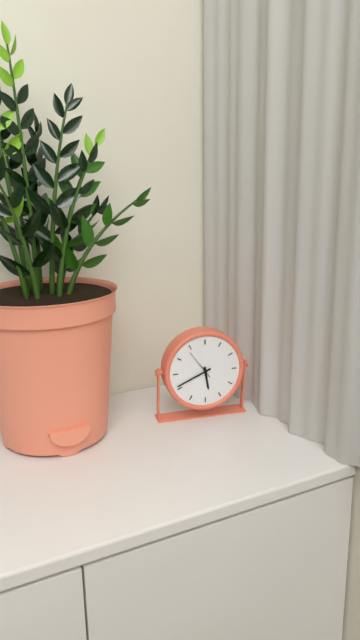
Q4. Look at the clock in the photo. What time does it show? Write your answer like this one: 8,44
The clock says 5,41
